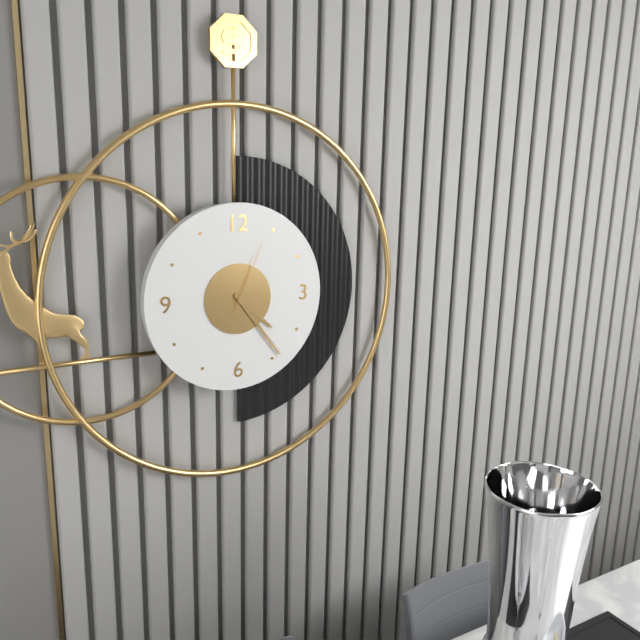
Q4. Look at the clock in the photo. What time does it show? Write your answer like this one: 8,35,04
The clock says 4,24,04
